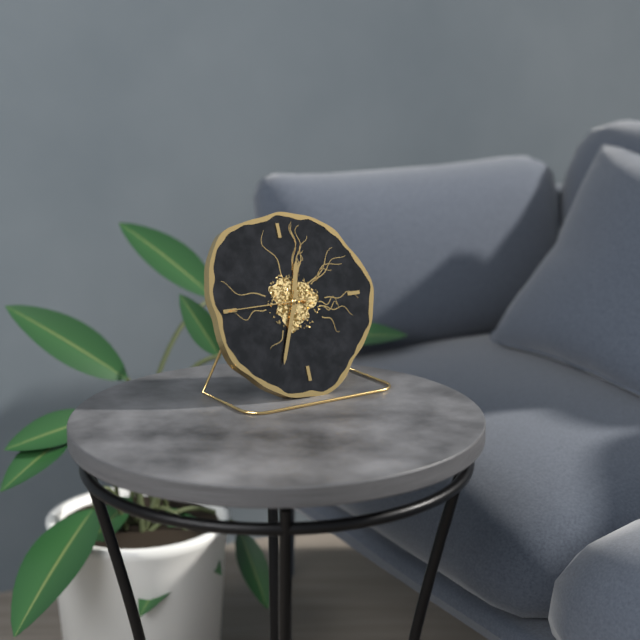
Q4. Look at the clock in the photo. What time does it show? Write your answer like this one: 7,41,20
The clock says 12,34,45
